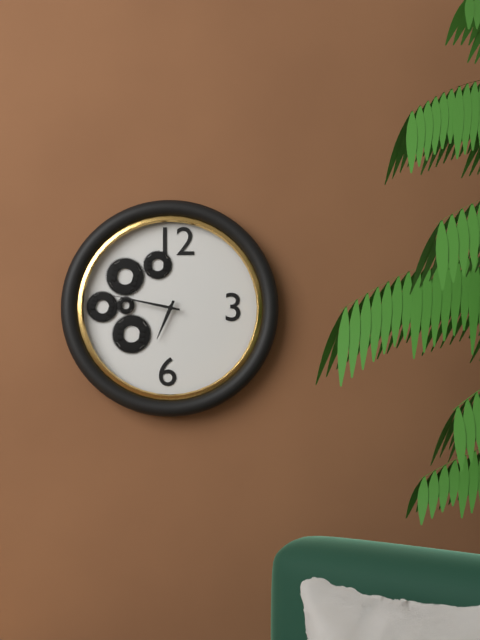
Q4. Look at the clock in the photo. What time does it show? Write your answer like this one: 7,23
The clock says 6,47
